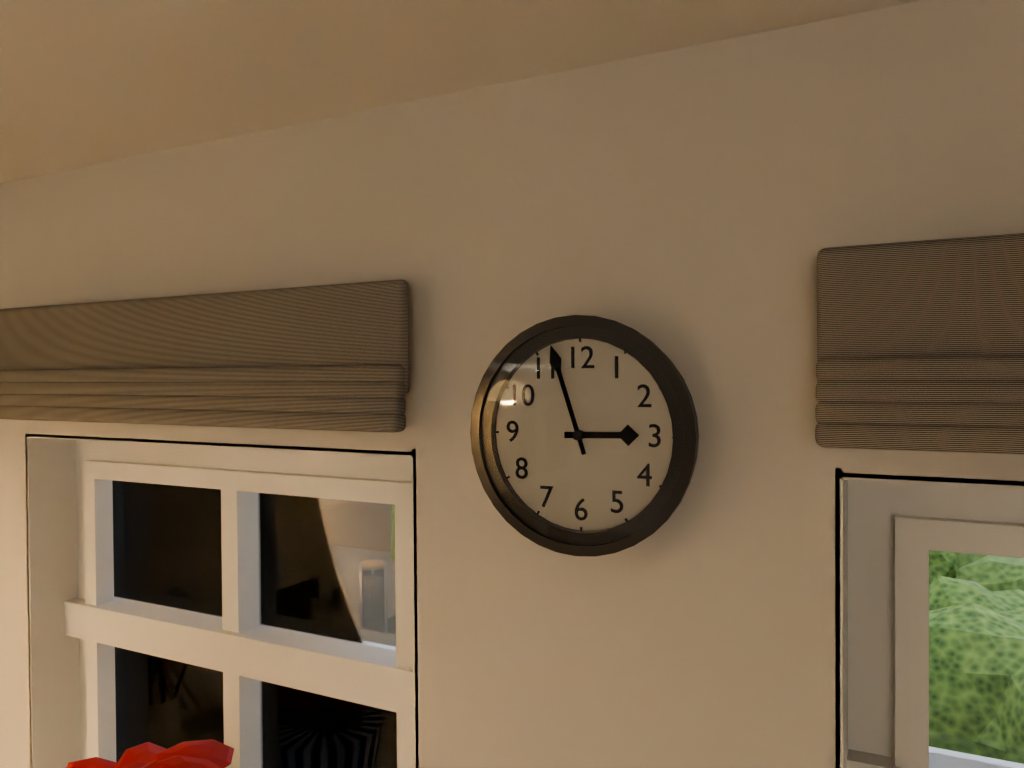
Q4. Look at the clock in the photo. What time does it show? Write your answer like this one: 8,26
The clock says 2,57
